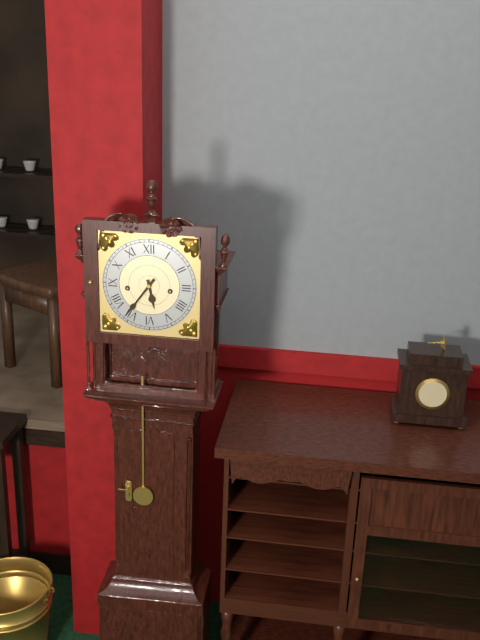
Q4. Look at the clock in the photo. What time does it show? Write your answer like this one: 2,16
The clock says 5,36
